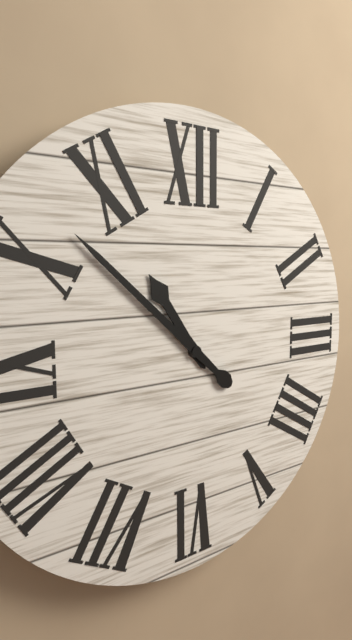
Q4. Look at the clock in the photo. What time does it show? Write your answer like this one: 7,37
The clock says 10,52
